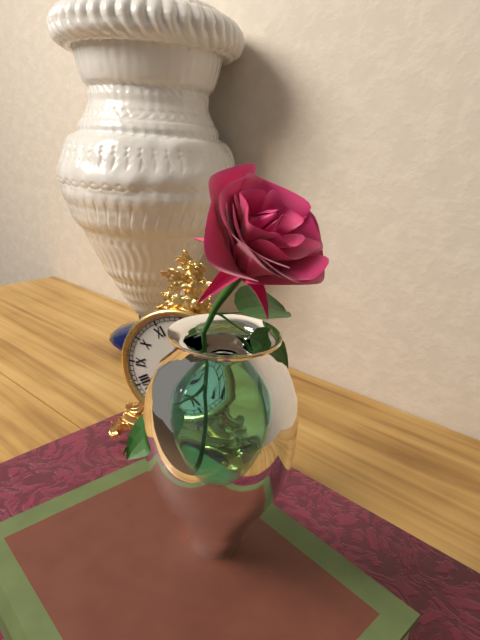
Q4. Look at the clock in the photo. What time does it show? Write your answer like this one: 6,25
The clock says 5,19
